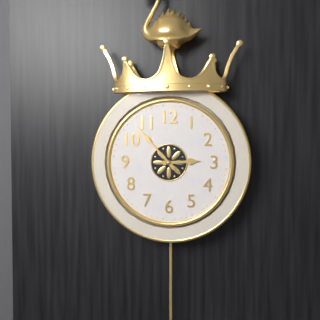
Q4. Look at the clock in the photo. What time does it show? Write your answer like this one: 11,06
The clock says 2,53
